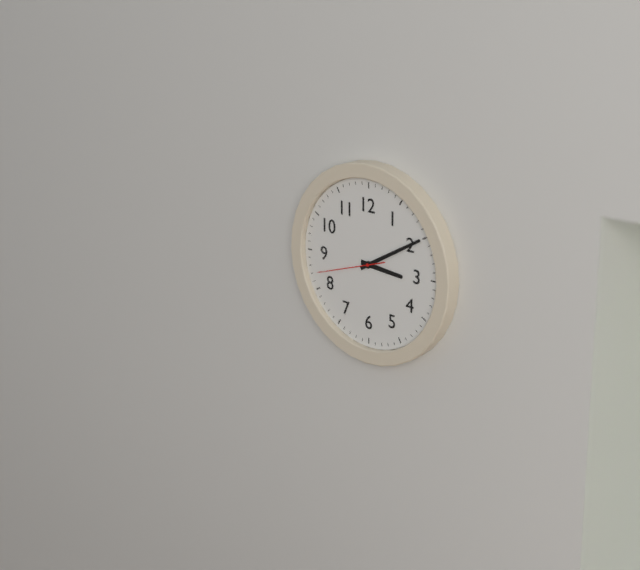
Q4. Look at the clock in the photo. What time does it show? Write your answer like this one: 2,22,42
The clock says 3,10,42
